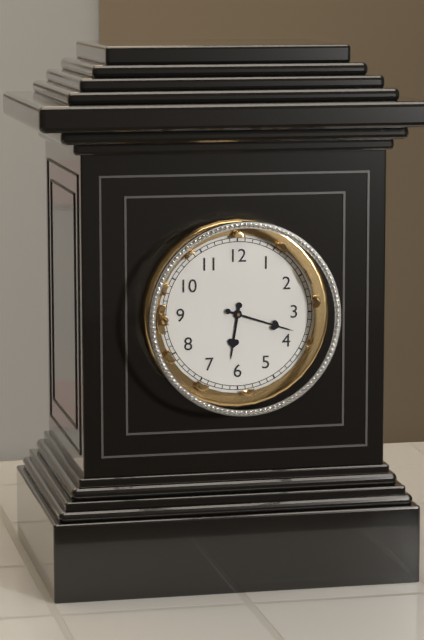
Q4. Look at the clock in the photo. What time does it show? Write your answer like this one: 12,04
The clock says 6,18
